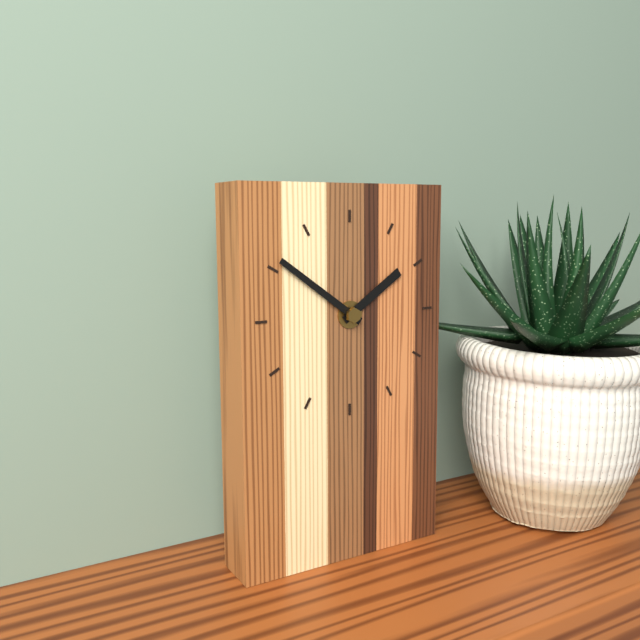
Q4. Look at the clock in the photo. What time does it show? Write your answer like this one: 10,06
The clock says 1,51
